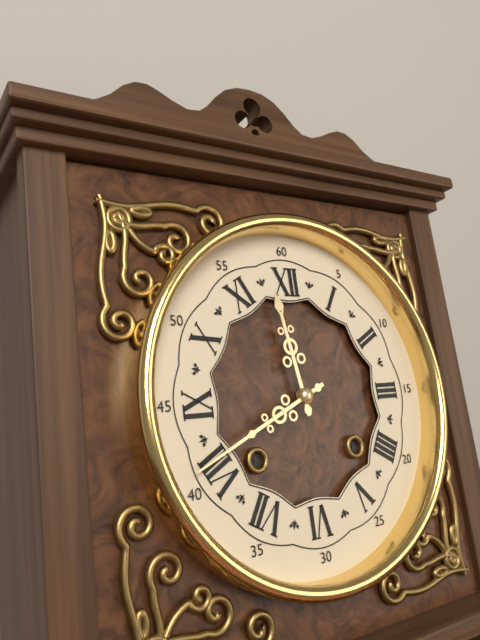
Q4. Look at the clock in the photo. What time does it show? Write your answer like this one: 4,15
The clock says 11,41
